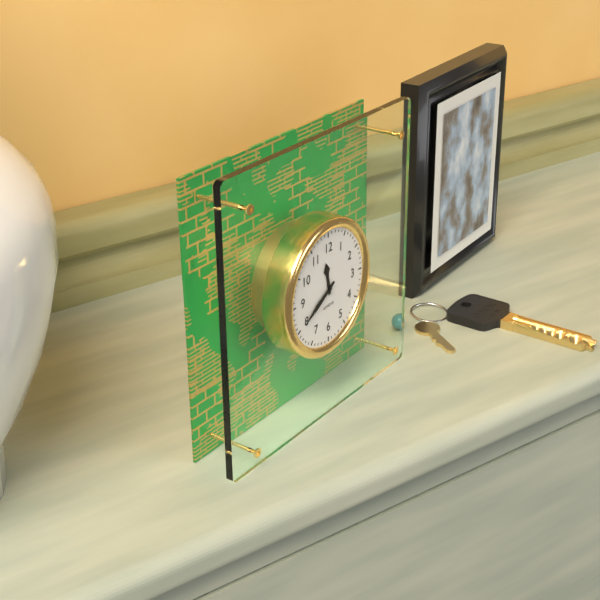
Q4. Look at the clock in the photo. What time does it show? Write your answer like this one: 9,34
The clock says 11,40
